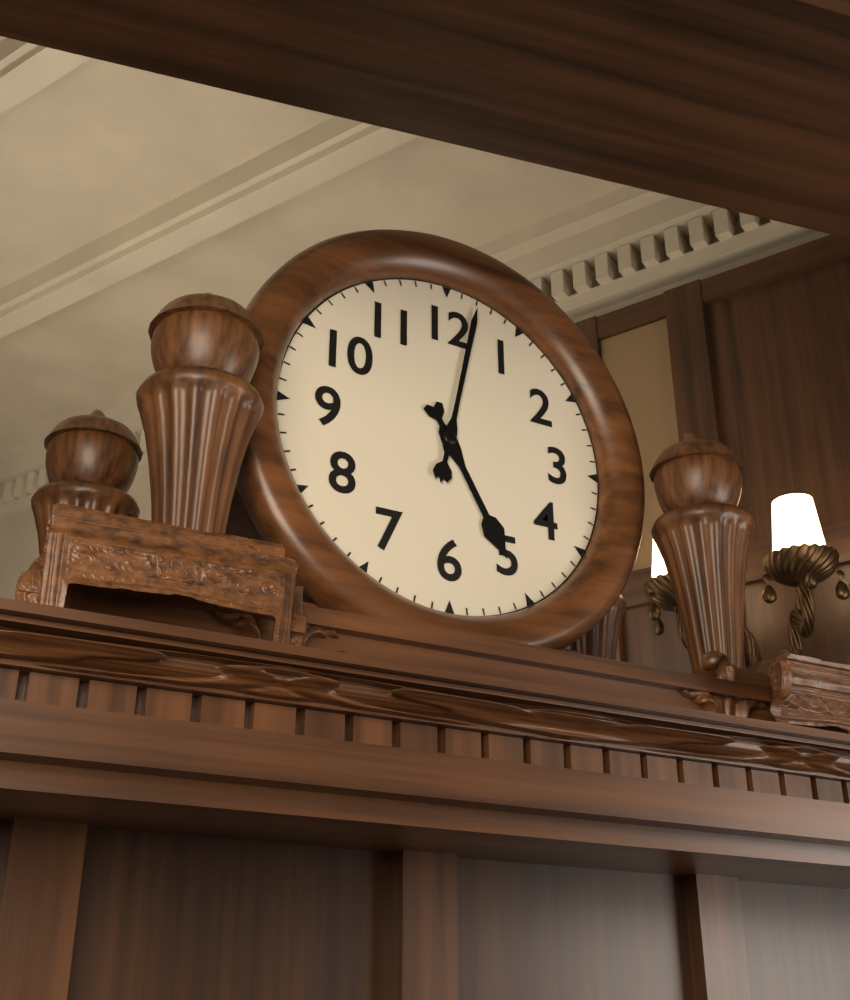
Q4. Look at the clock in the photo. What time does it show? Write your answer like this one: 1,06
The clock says 5,02
